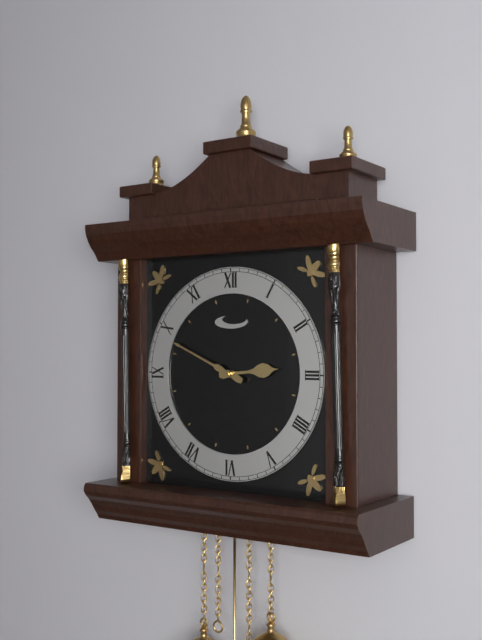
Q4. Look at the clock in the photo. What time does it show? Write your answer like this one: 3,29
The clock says 2,49
